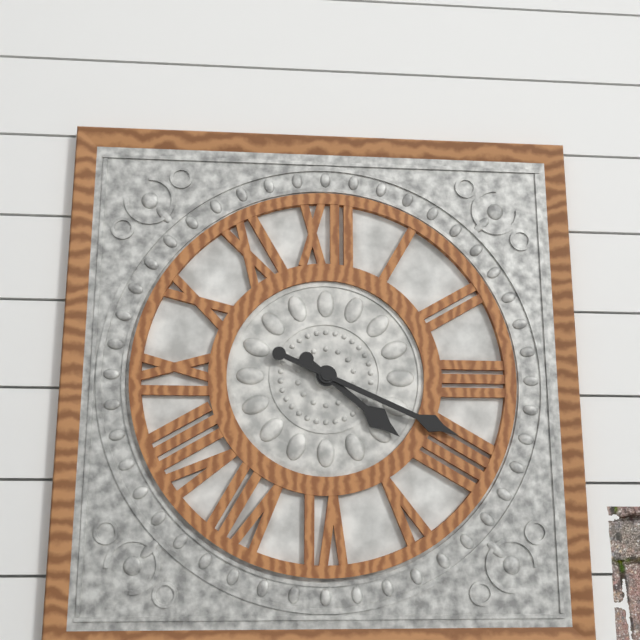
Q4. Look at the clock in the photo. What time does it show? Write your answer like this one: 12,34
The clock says 4,19
